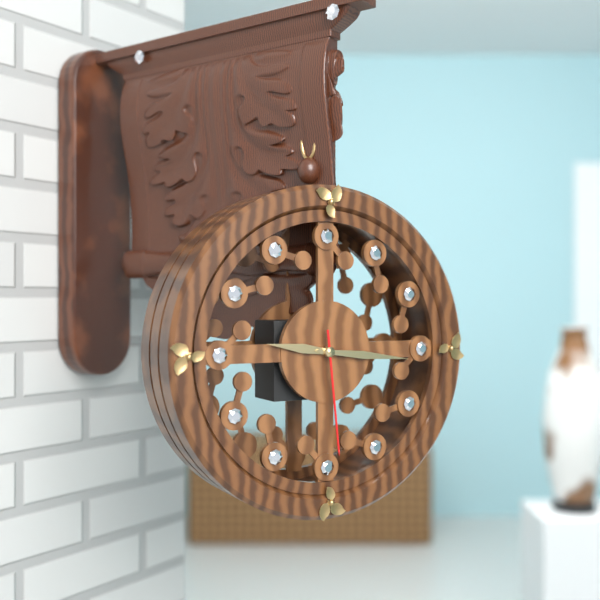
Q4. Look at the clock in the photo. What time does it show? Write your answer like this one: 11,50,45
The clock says 9,16,29
